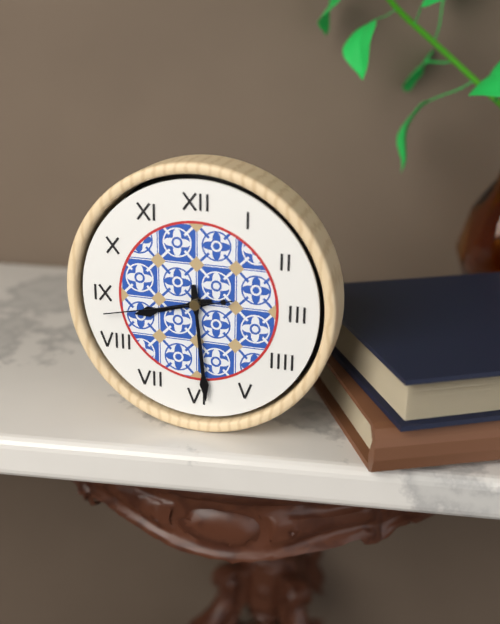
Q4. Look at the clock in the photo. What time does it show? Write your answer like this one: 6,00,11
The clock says 8,29,43
